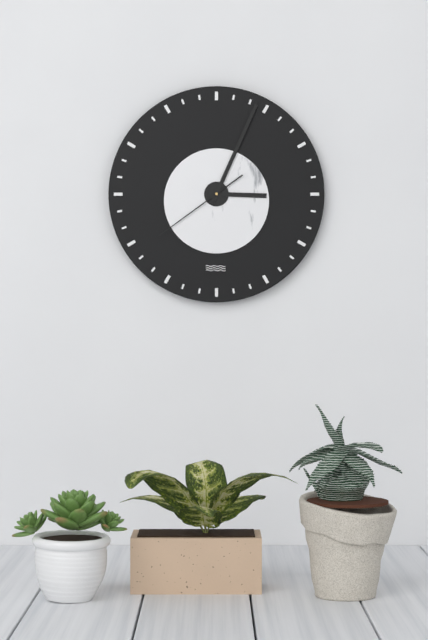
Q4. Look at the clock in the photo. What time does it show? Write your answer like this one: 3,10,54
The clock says 3,04,39
